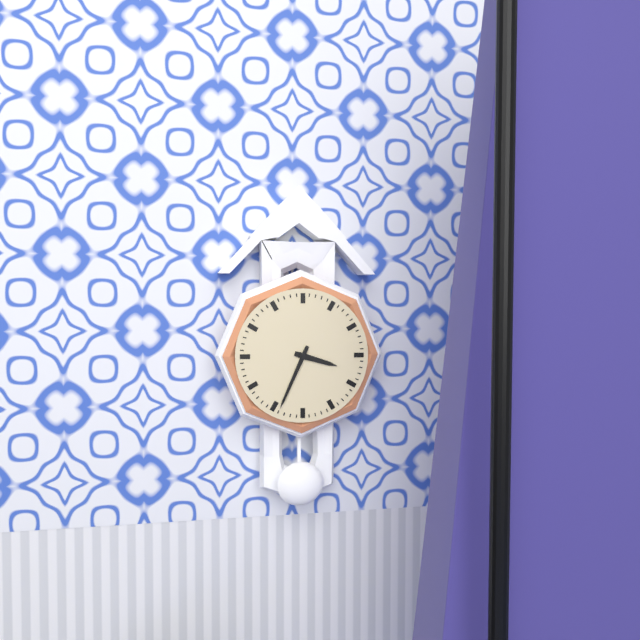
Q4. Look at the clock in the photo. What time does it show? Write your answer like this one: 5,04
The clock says 3,34
